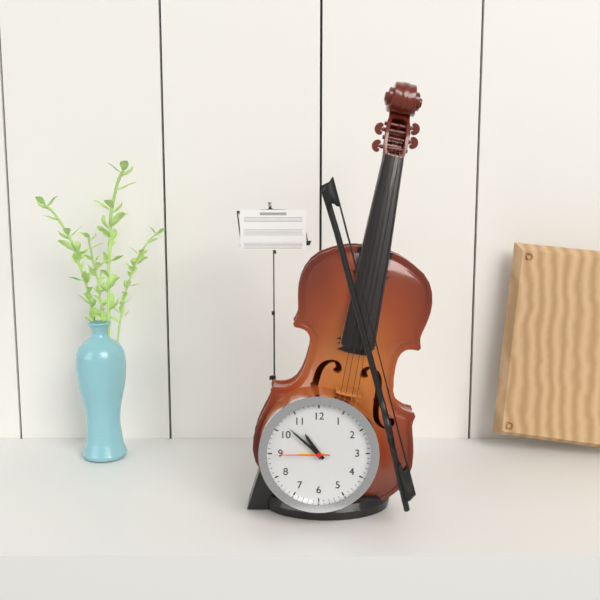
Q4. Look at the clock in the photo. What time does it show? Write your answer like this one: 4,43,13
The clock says 10,52,45
